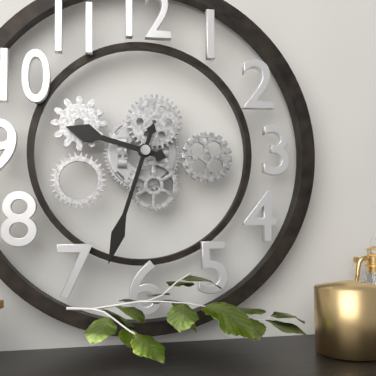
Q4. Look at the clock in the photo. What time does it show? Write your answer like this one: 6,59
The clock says 9,33
